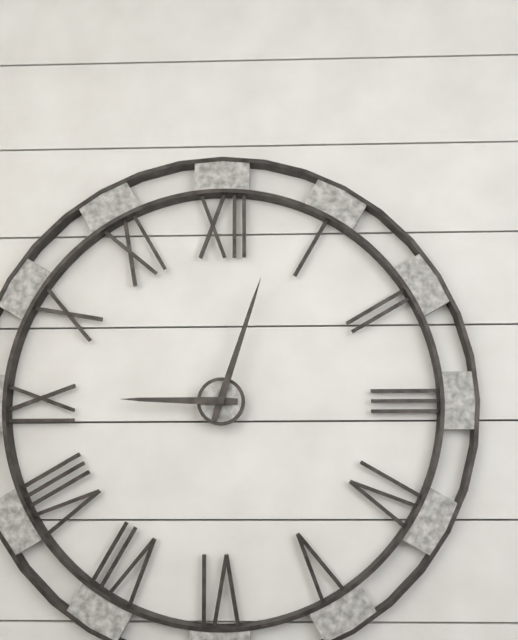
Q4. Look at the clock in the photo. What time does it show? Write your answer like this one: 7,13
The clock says 9,03
